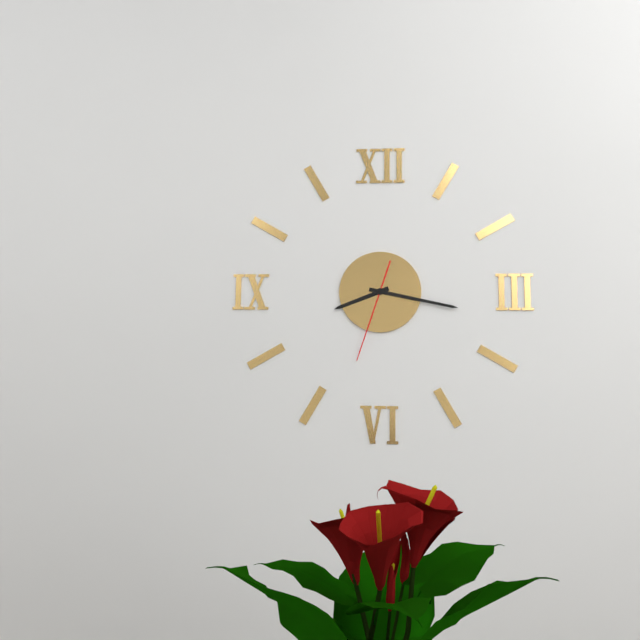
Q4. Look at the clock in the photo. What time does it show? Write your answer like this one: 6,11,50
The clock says 8,17,33
